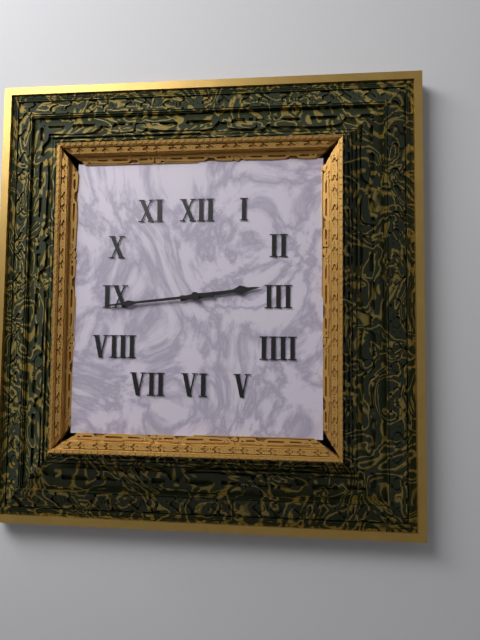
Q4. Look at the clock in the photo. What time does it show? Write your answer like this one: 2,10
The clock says 2,44
